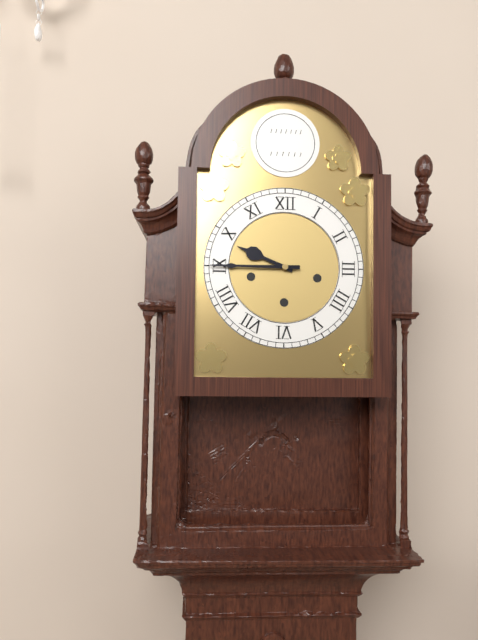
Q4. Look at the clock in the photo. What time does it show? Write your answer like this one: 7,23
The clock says 9,45
